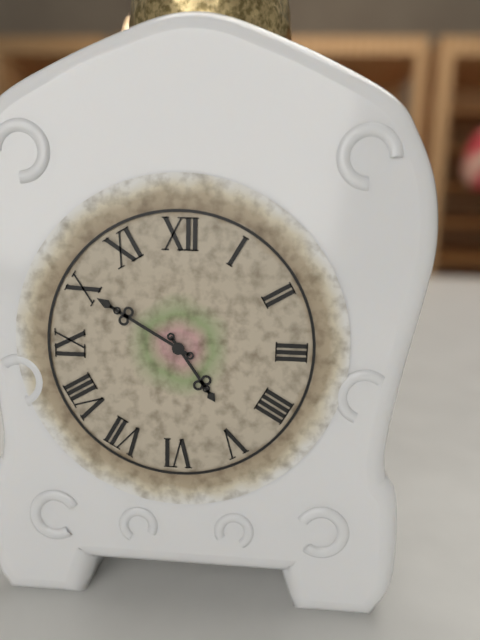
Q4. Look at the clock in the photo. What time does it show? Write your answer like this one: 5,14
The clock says 4,50
